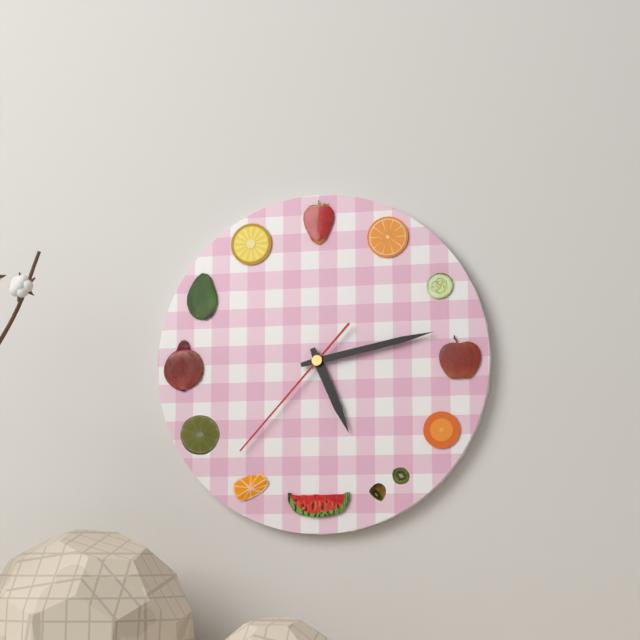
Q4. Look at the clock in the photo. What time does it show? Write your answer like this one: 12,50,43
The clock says 5,13,37
